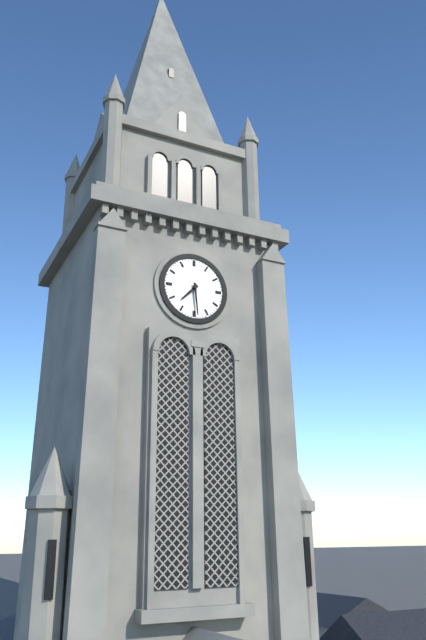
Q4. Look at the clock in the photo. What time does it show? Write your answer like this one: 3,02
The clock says 7,29
